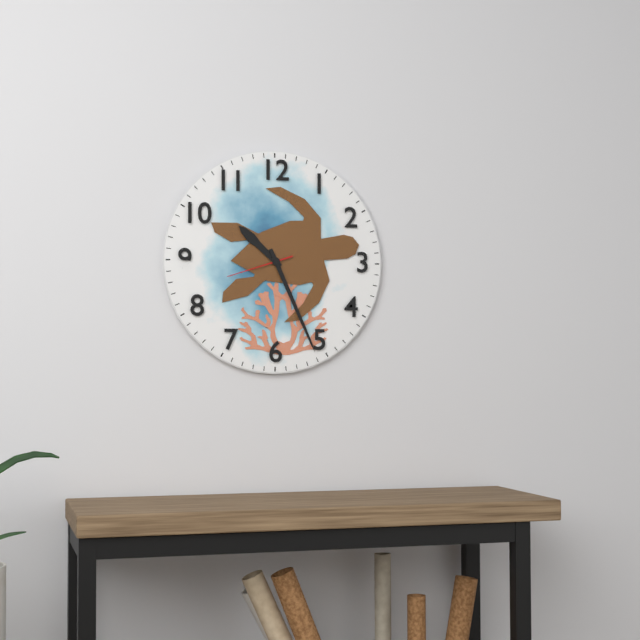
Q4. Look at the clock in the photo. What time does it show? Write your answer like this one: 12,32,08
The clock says 10,26,42
